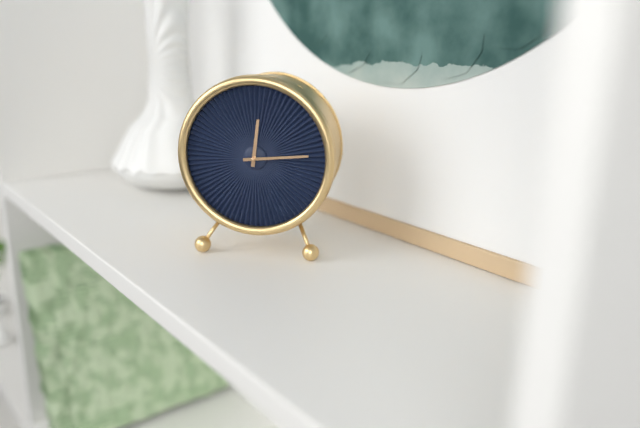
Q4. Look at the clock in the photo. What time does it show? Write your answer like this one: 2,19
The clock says 12,14
